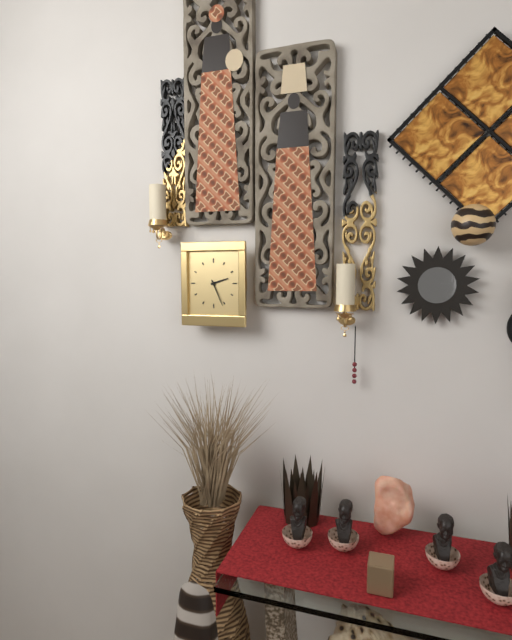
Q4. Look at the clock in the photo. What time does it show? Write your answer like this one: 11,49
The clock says 2,26
